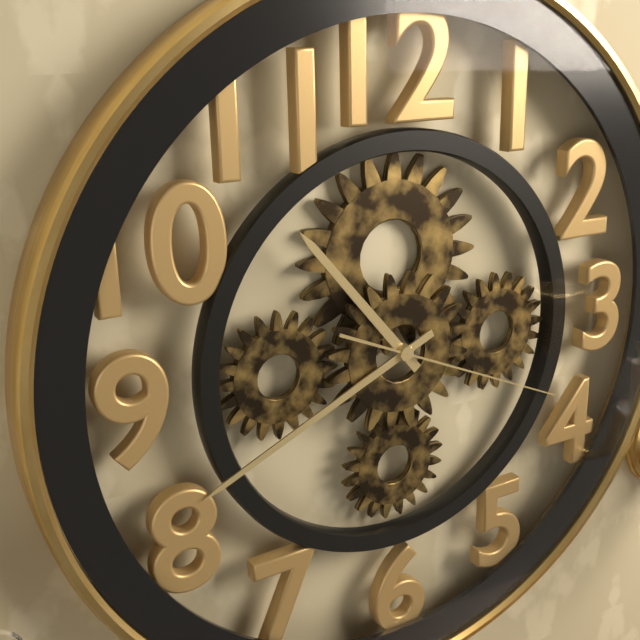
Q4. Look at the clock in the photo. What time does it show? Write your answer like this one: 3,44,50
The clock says 10,41,19
